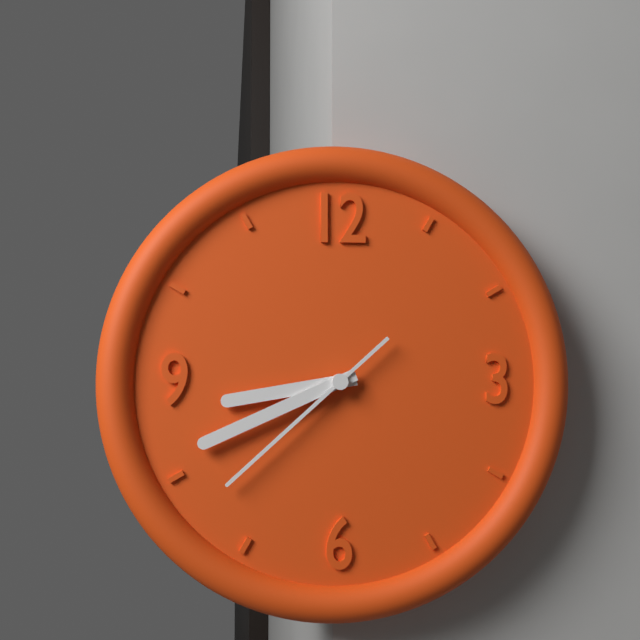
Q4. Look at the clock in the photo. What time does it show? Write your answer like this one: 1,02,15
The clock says 8,41,38
